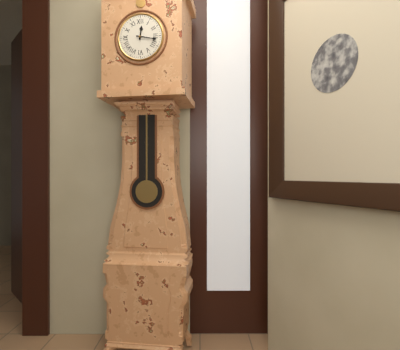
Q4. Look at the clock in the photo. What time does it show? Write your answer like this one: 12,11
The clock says 12,17
